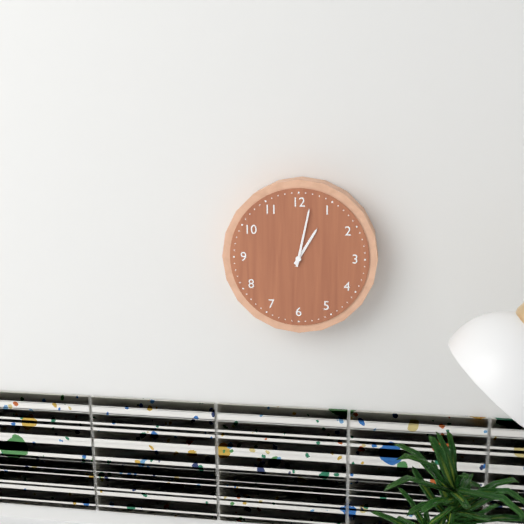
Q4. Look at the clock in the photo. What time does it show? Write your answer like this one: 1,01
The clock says 1,02
